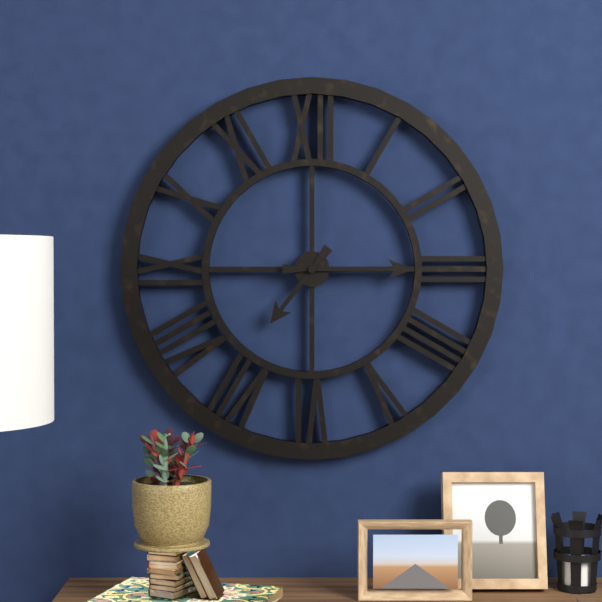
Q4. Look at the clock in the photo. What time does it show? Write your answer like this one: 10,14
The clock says 7,15
